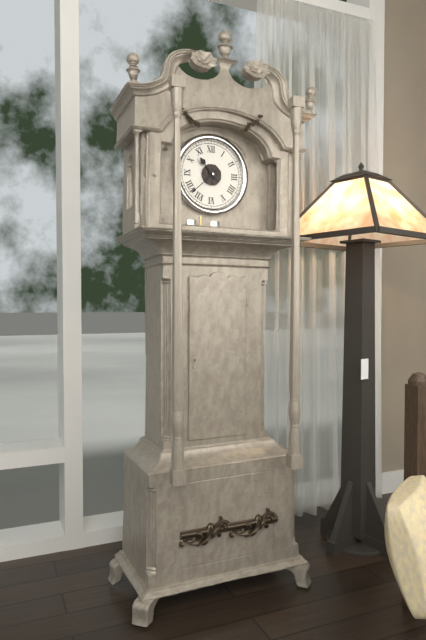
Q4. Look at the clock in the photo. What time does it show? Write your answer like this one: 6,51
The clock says 10,38
